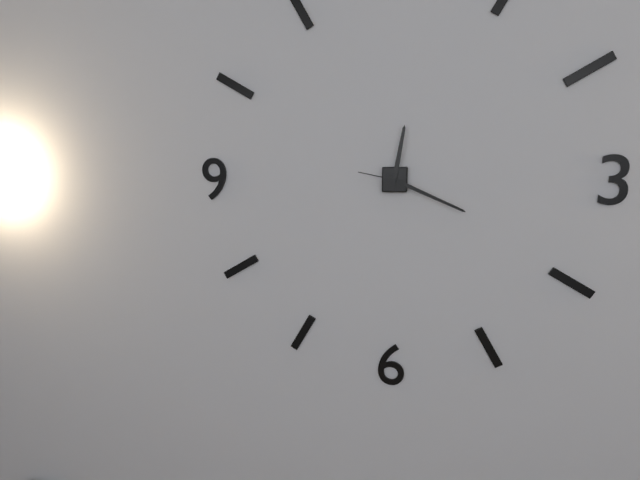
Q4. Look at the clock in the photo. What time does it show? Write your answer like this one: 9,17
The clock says 12,19
